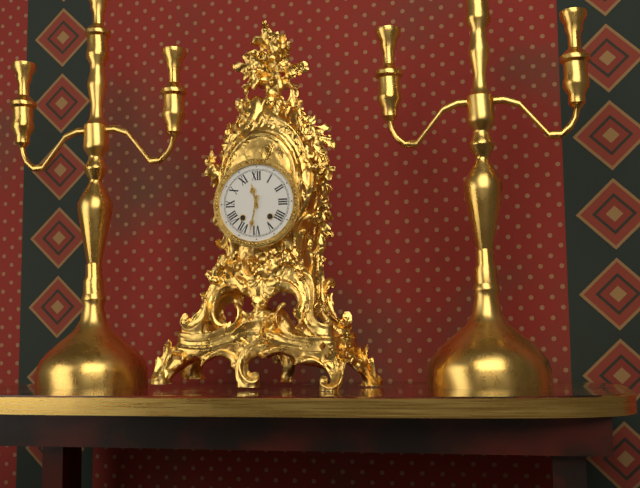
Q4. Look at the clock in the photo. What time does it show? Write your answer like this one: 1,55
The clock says 11,32
